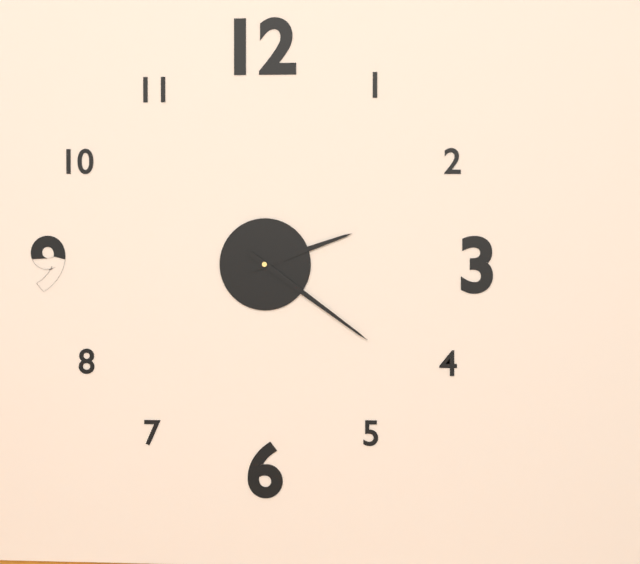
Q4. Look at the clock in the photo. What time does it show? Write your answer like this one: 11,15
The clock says 2,21
